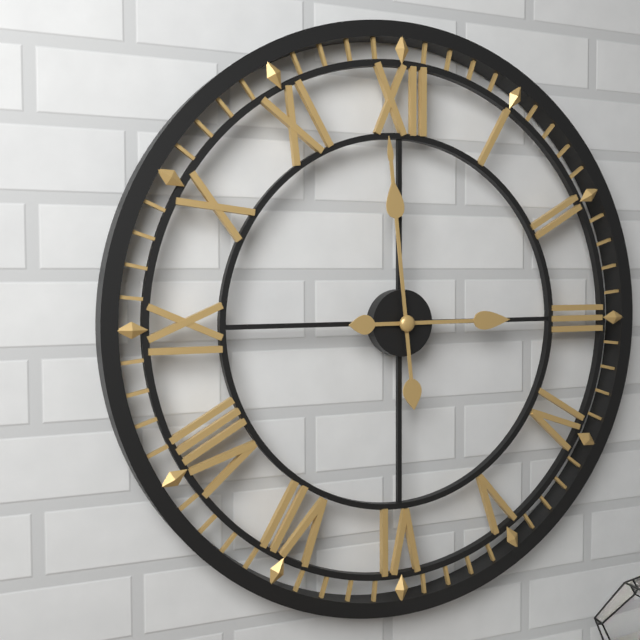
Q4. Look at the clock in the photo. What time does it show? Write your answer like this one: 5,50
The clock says 2,59
